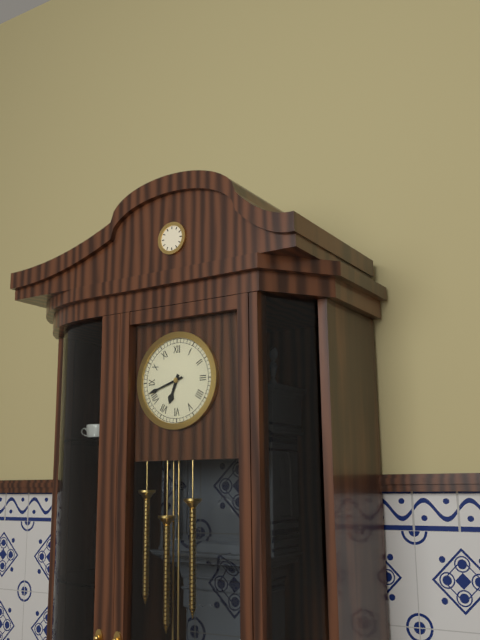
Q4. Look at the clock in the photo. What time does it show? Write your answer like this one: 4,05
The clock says 6,42
